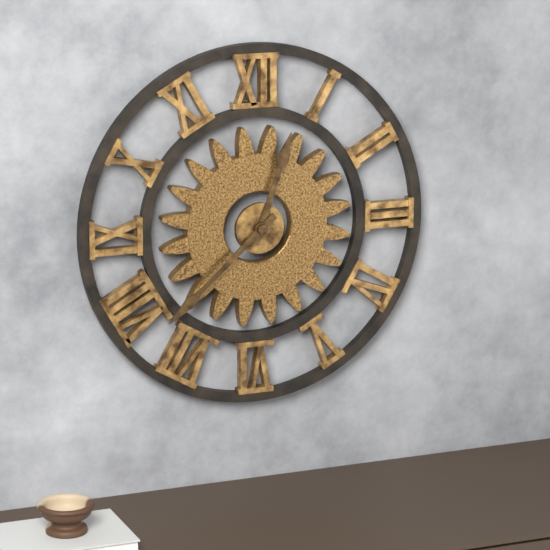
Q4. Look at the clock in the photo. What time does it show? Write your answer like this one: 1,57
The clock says 12,38
